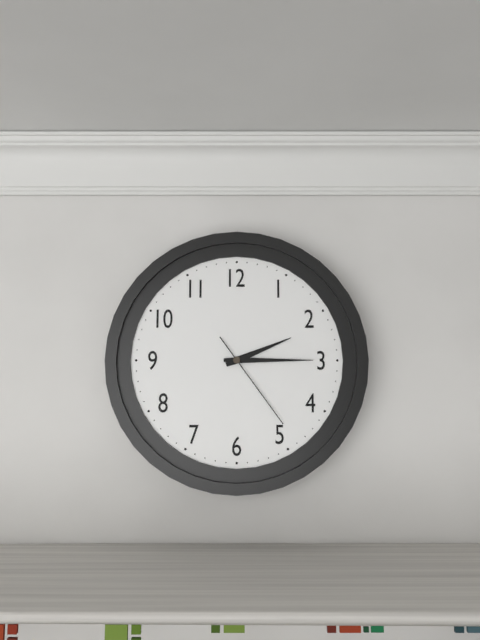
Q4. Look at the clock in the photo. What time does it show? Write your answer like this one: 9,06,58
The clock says 2,15,24
